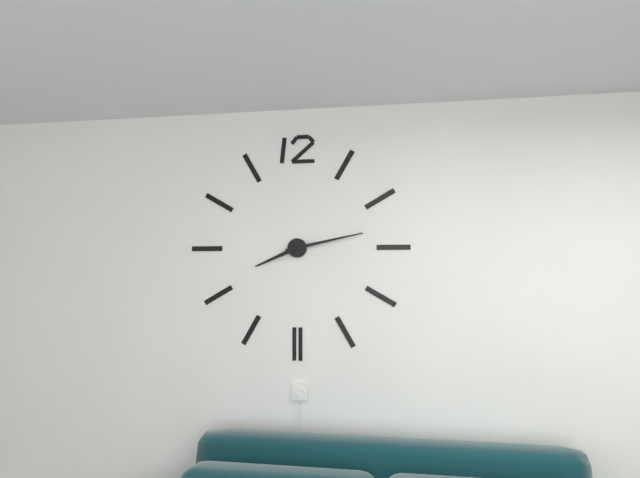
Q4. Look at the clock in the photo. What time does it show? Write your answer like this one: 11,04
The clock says 8,13
